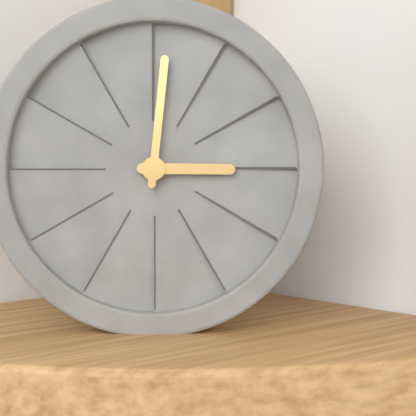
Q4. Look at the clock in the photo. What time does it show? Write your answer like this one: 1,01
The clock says 3,01
